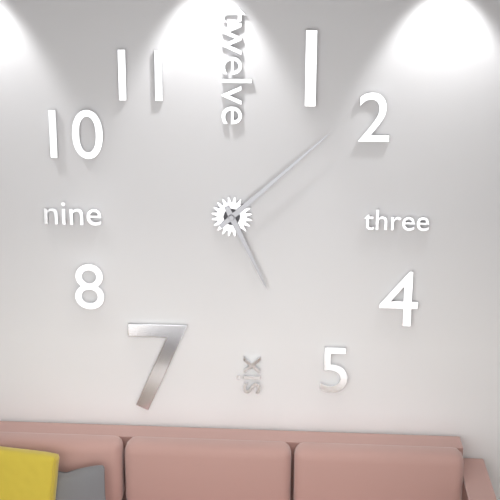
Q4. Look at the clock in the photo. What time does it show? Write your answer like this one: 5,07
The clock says 5,08
